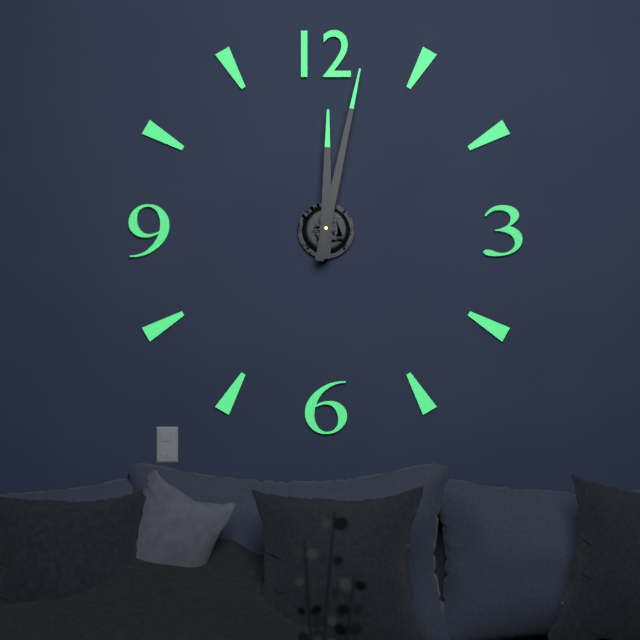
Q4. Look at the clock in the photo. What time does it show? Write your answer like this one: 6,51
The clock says 12,02
